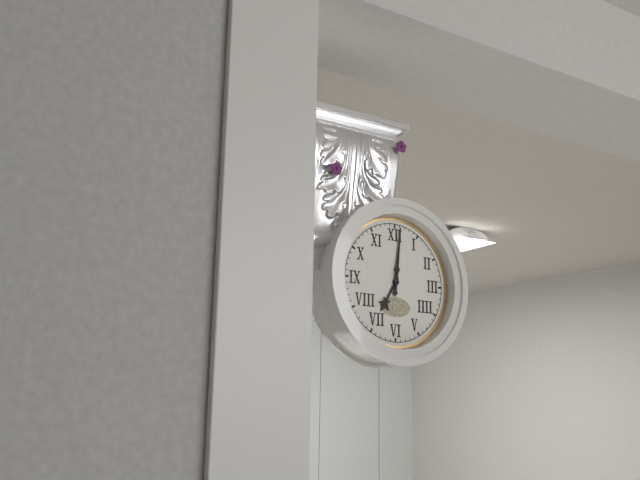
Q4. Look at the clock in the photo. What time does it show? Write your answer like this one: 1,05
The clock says 7,01
